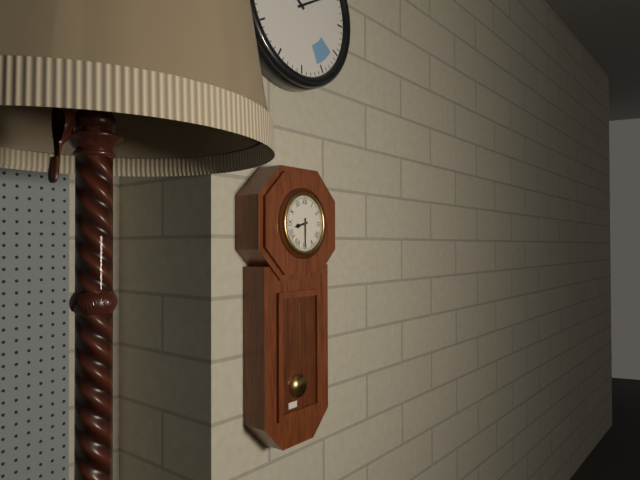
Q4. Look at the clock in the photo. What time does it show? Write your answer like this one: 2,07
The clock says 8,30
